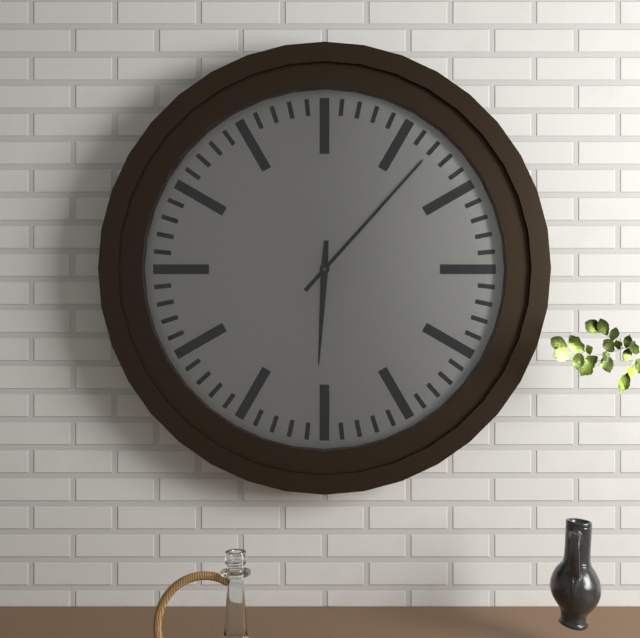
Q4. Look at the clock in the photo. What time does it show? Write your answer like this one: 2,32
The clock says 6,07
